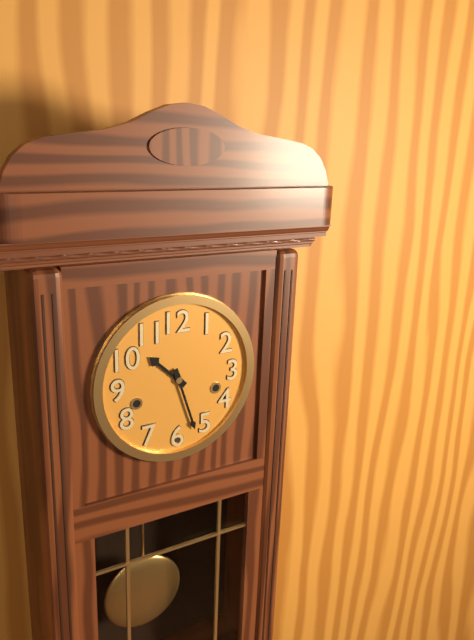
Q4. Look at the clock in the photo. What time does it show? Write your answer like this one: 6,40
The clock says 10,27
